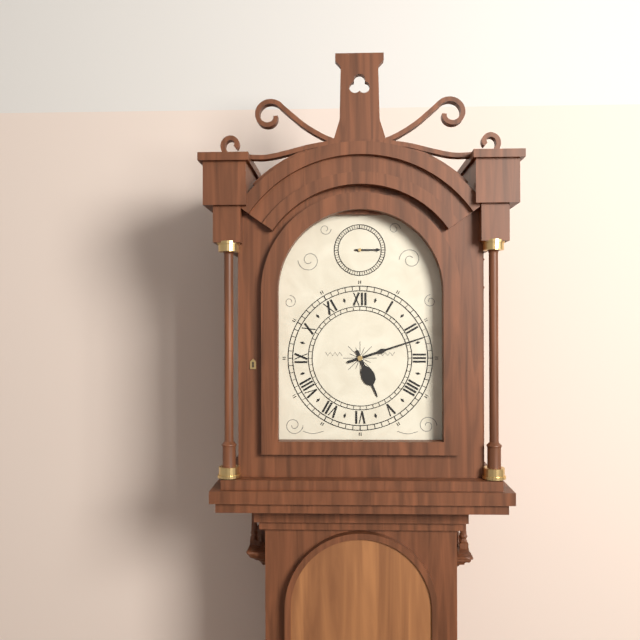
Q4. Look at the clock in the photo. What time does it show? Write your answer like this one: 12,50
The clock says 5,12
